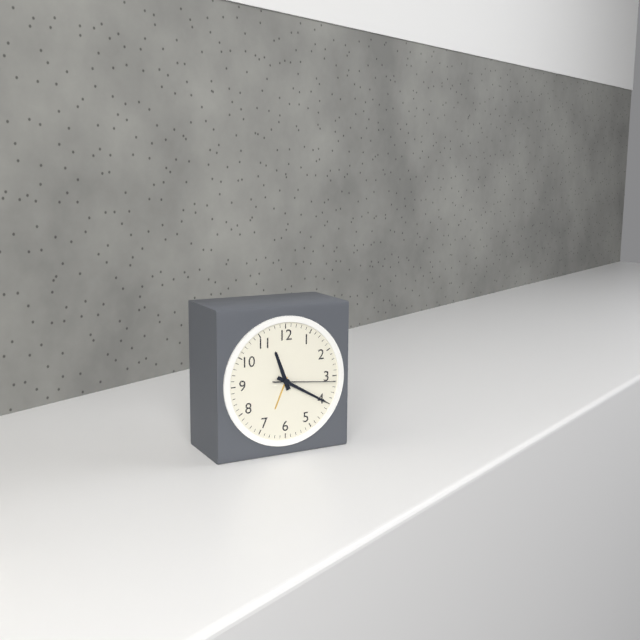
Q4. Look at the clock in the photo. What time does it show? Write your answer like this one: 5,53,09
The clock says 11,20,16
